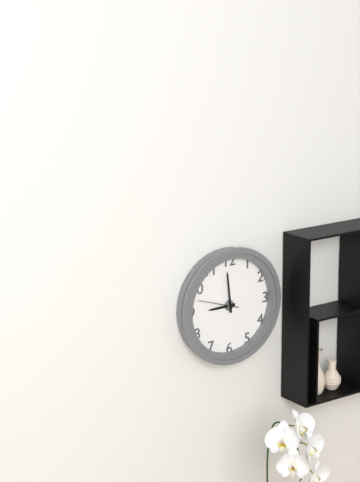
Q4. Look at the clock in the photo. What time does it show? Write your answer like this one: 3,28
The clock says 8,59
